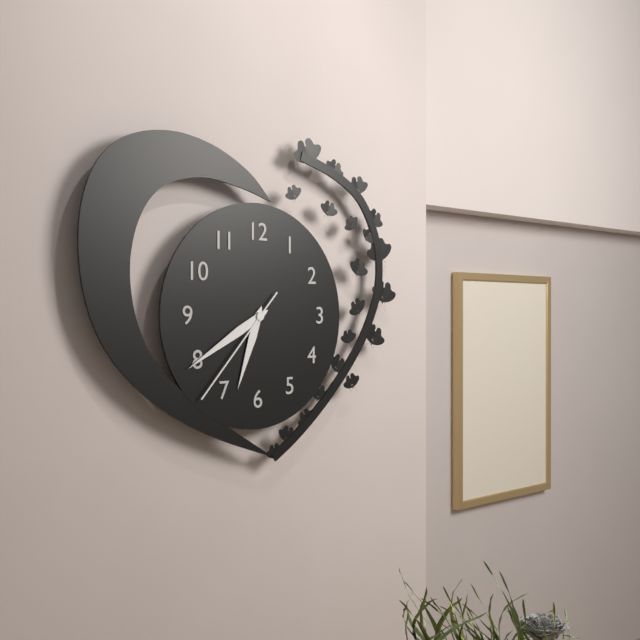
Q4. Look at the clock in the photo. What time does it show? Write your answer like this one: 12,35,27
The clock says 6,40,37
